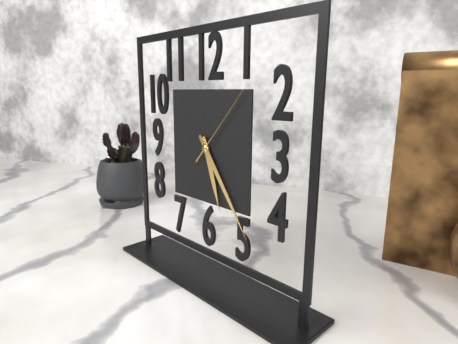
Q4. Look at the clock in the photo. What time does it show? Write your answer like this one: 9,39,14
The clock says 5,24,07
